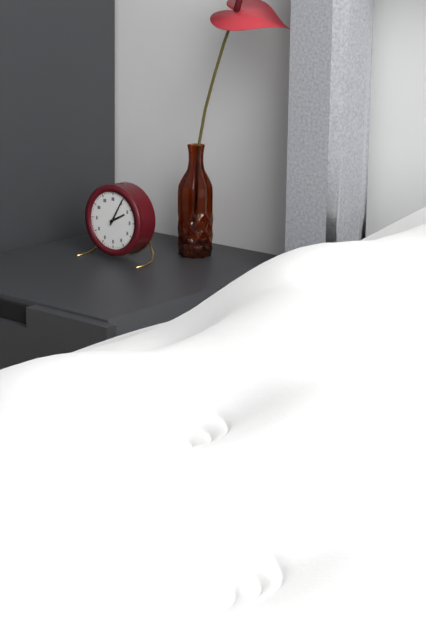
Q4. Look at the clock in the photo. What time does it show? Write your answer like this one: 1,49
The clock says 2,05
